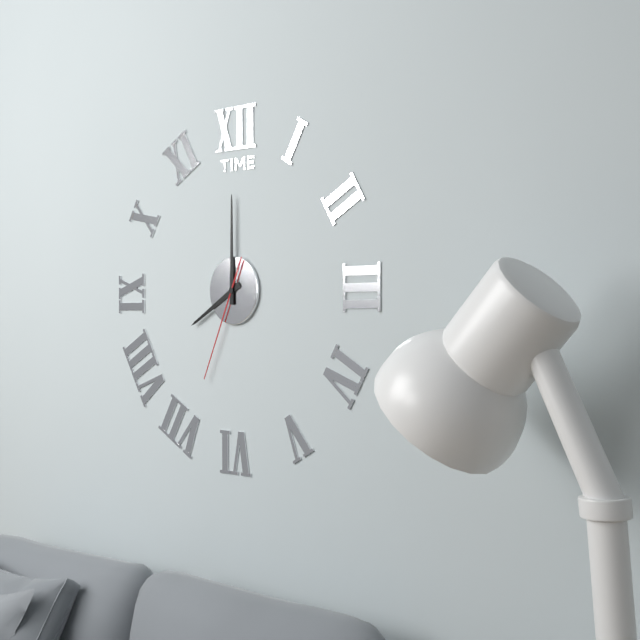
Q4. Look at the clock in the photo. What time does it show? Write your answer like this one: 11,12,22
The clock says 8,00,34
